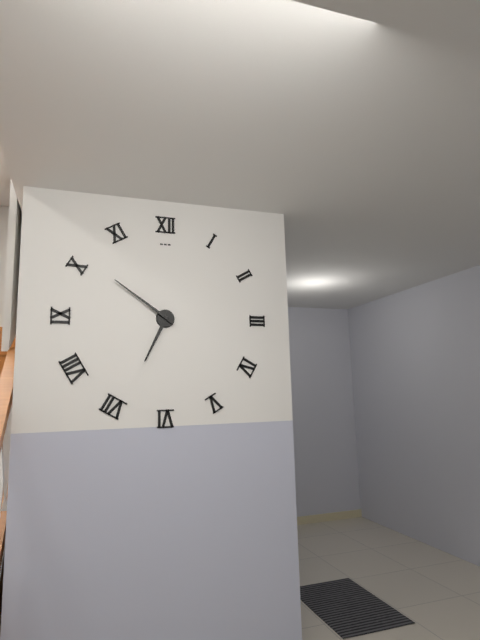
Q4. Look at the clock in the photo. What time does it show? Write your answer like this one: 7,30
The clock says 6,51
